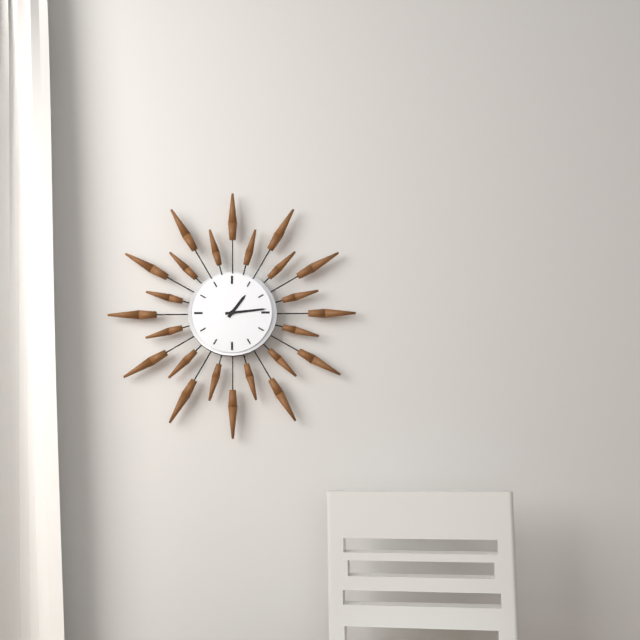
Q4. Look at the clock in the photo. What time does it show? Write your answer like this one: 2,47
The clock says 1,14
